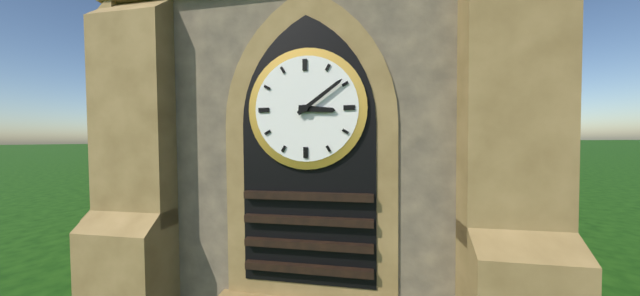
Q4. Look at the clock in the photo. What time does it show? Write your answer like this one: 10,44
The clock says 3,09
